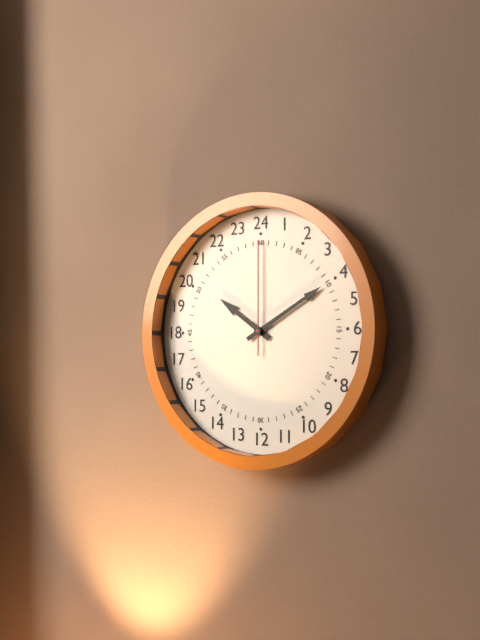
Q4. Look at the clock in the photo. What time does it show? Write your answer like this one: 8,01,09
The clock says 10,10,00
